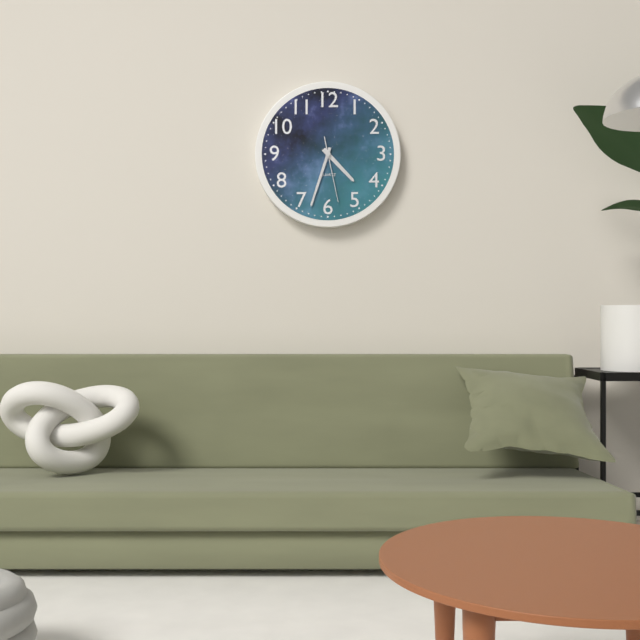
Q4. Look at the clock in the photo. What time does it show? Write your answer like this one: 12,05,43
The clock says 4,33,28
